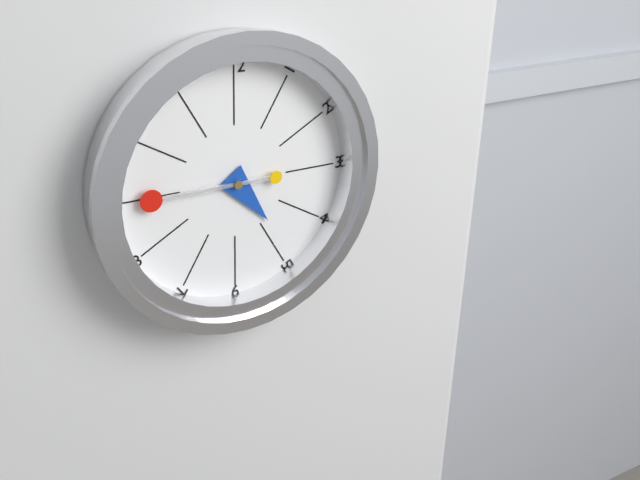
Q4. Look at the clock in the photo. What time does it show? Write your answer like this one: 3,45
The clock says 4,45
